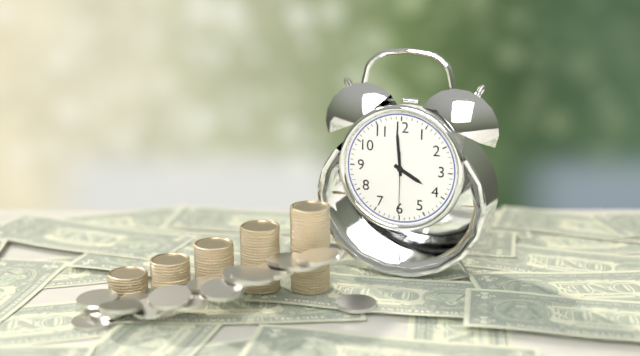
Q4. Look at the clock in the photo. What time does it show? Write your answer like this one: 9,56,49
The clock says 3,59,30
